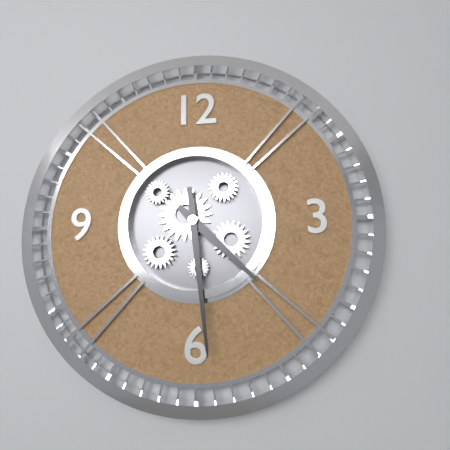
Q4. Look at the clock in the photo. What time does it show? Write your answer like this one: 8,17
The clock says 4,29
